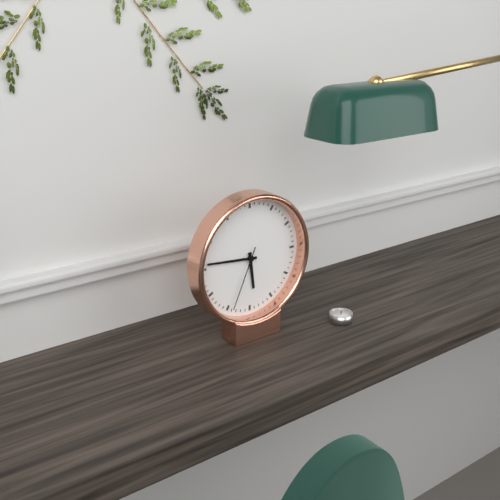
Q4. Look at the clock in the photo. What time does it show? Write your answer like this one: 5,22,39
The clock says 5,46,34
